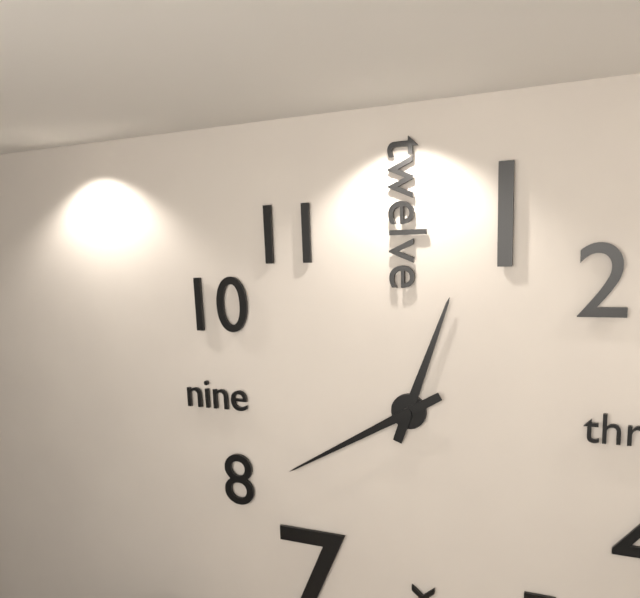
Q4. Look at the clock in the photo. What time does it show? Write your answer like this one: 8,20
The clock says 12,40
